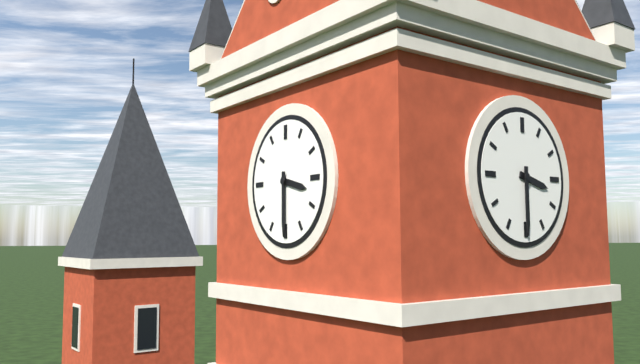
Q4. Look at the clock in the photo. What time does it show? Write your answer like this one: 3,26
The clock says 3,30
